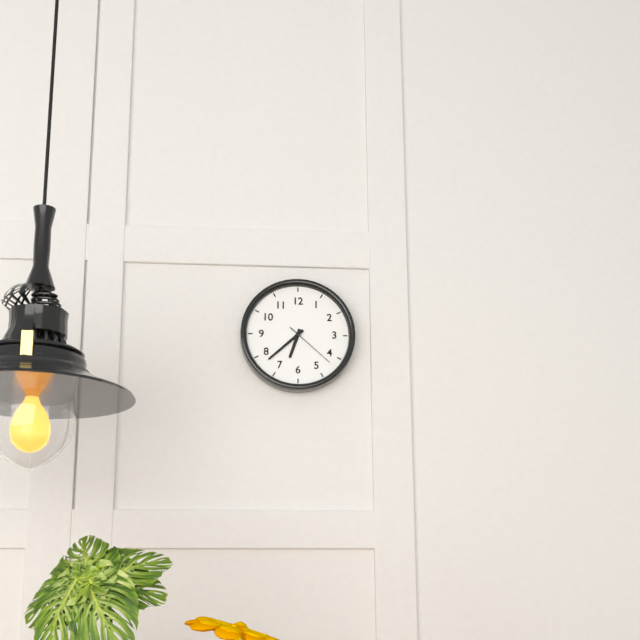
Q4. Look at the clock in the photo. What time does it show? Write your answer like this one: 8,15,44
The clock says 6,38,22
